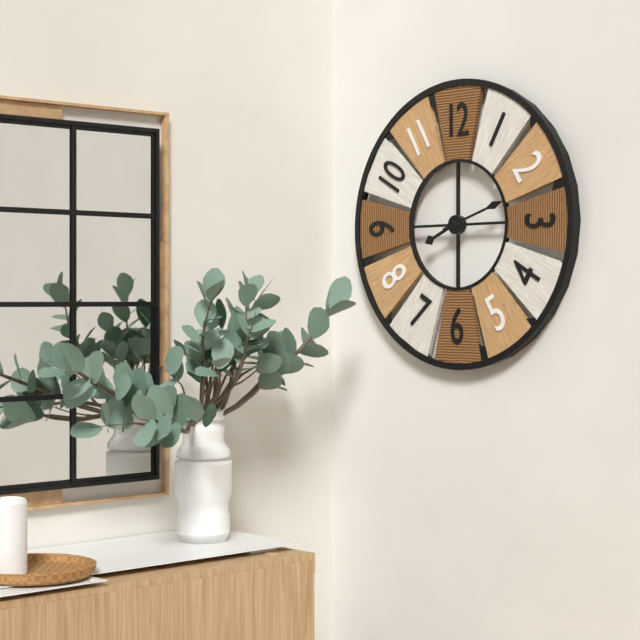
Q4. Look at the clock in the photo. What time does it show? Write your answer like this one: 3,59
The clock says 8,12
